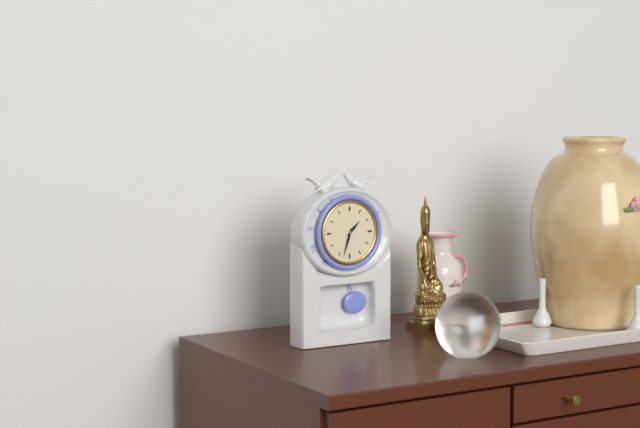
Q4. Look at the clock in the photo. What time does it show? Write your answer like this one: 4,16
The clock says 1,33
